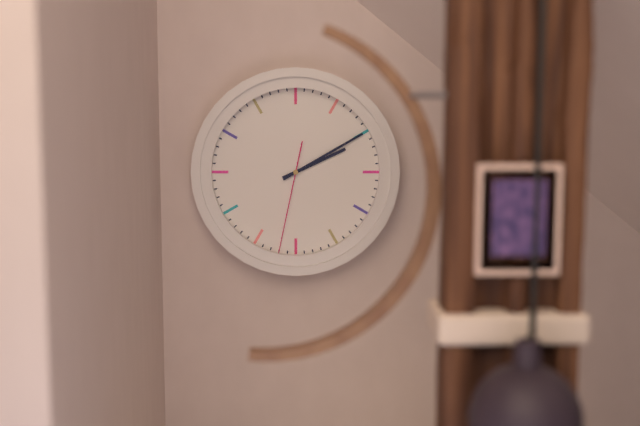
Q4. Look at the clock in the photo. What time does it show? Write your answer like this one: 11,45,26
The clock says 2,10,32
